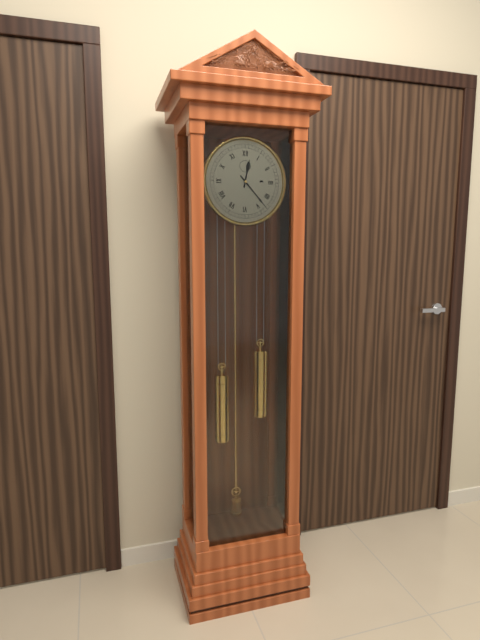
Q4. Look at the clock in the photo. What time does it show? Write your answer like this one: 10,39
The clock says 12,23
